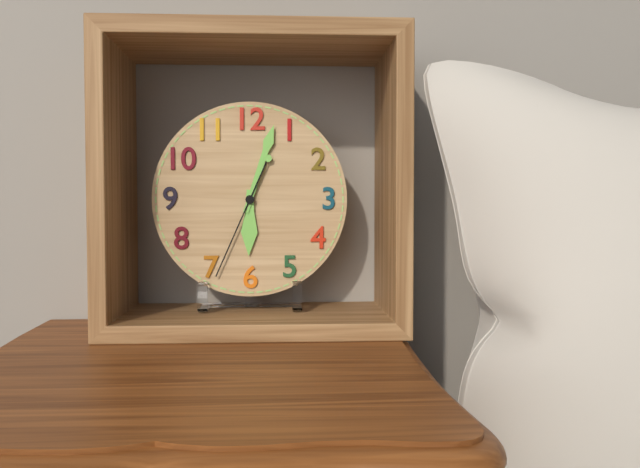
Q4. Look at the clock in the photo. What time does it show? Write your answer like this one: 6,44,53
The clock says 6,03,34
